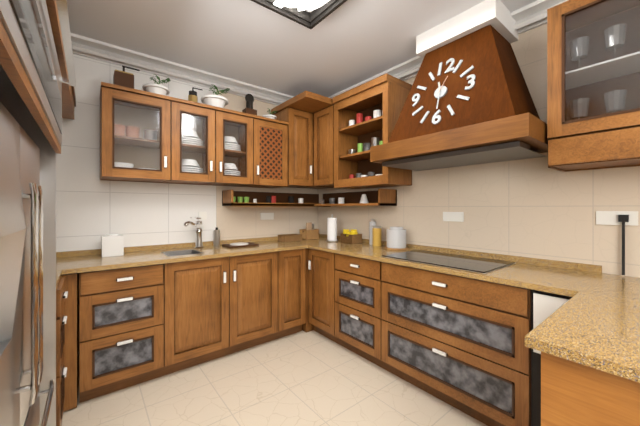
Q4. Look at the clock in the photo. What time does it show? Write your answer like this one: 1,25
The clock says 11,30
